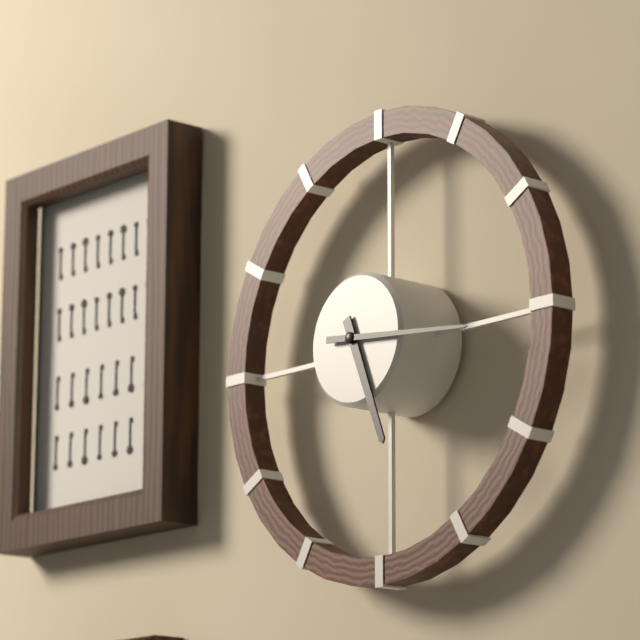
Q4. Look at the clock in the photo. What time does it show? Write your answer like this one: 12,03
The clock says 5,16
